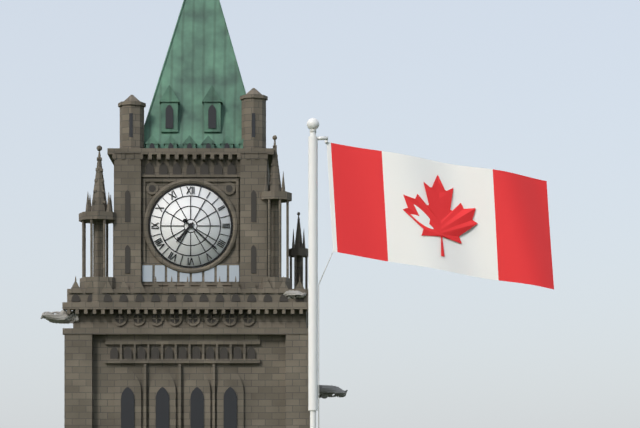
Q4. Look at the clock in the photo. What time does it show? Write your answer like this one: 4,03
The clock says 7,22
